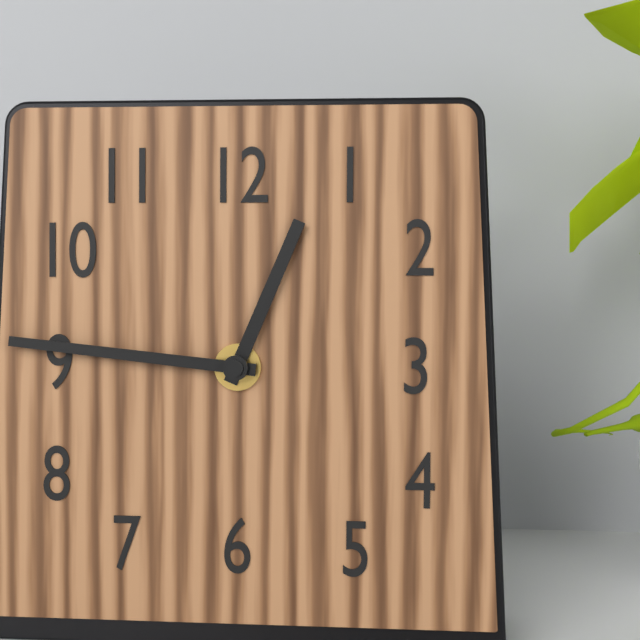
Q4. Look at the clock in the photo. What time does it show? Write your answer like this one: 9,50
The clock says 12,46
